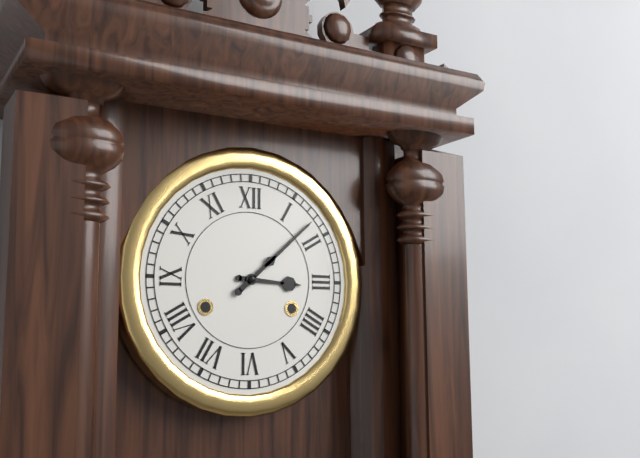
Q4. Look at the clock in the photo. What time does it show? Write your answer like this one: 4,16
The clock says 3,08
